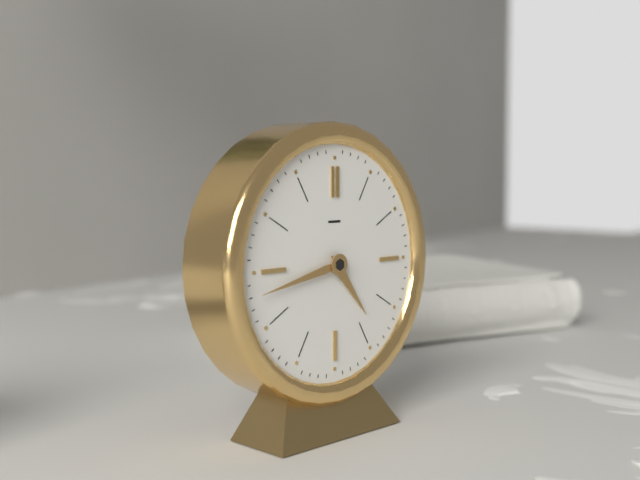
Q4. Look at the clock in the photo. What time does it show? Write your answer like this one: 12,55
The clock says 4,43
